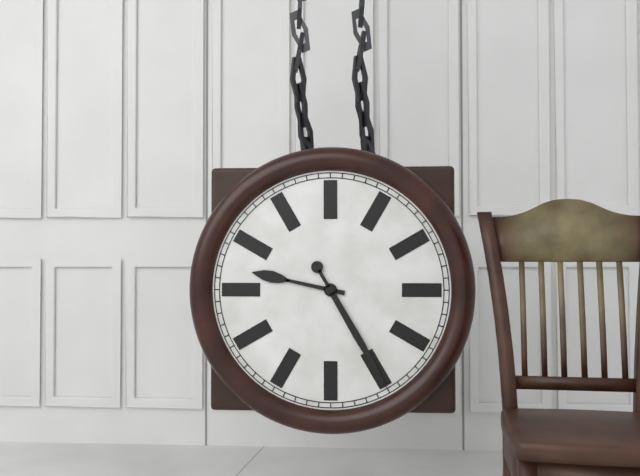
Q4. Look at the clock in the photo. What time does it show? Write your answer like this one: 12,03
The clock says 9,25
